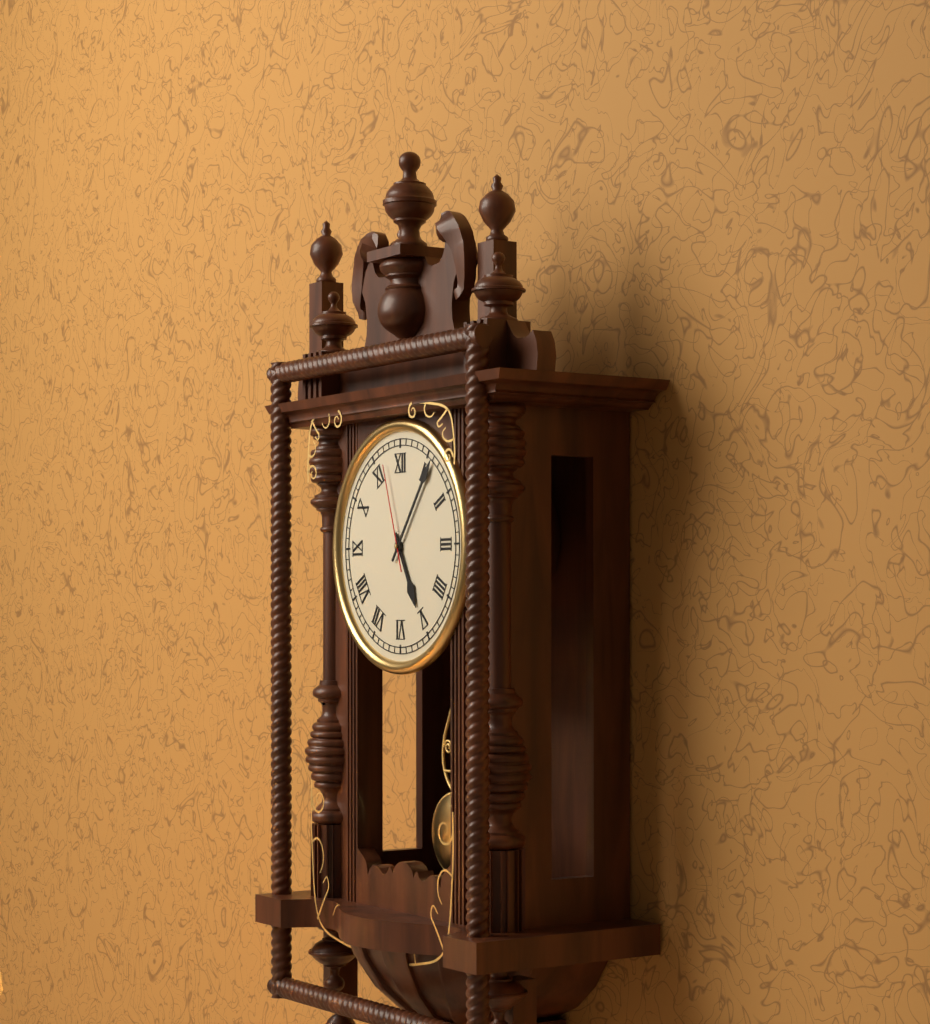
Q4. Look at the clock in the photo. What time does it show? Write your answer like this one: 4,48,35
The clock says 5,06,57
